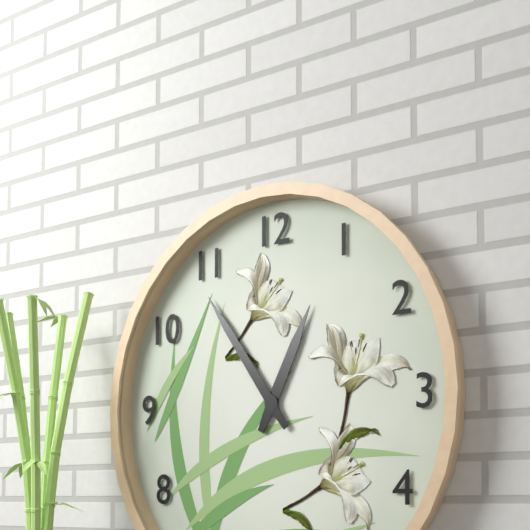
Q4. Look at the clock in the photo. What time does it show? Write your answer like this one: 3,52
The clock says 12,54
